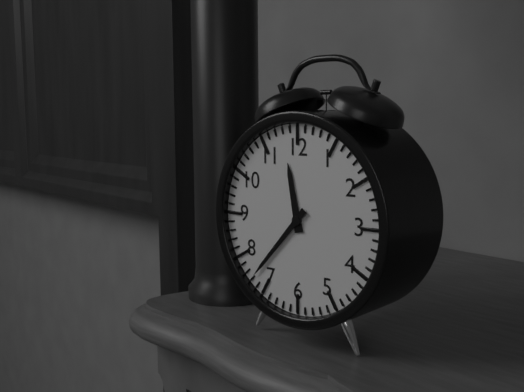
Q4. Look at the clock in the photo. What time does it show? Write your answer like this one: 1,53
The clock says 11,37
